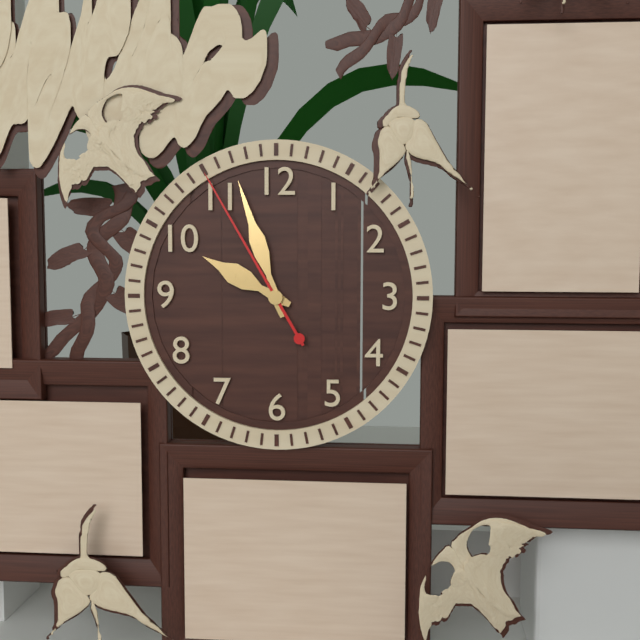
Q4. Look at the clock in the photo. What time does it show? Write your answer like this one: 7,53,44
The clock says 9,57,55
